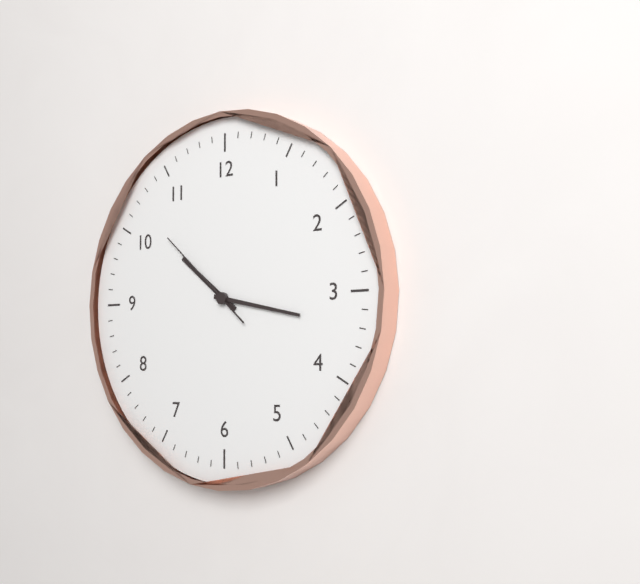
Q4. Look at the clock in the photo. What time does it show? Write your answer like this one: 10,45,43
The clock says 10,17,52
